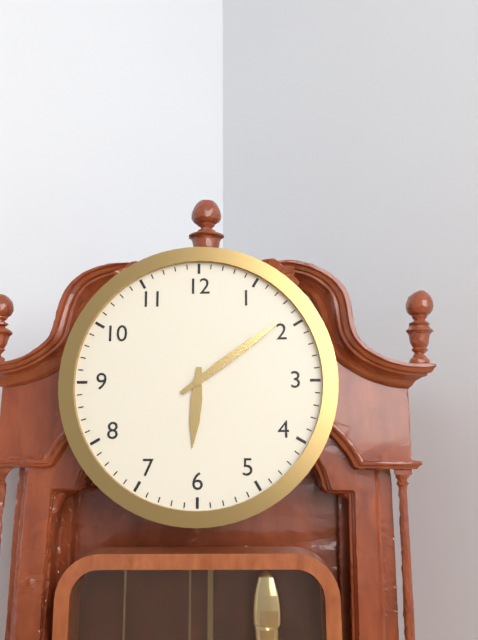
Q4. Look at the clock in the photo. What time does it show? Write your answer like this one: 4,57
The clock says 6,09
